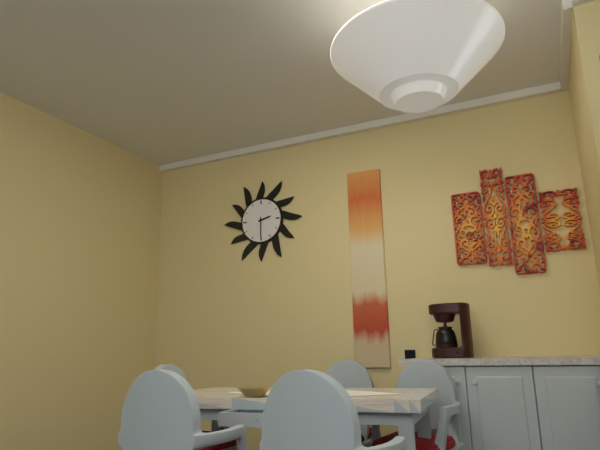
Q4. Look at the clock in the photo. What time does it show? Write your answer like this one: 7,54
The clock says 2,30
